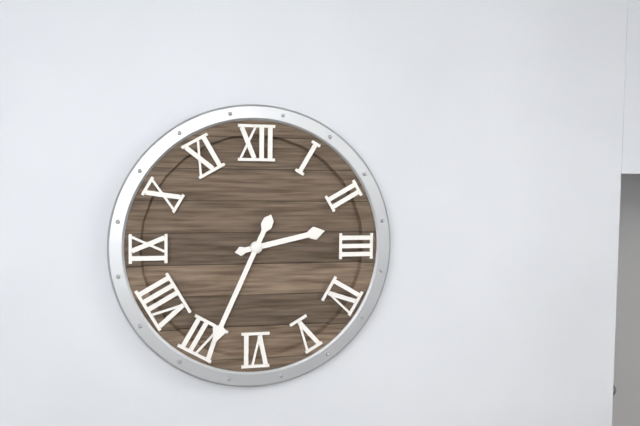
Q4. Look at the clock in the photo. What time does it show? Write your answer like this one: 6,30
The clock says 2,34
